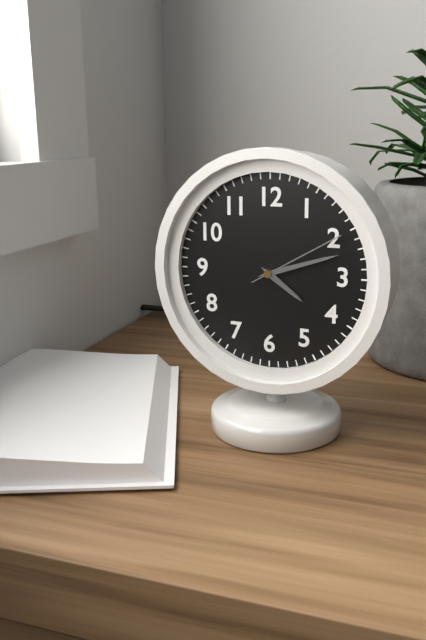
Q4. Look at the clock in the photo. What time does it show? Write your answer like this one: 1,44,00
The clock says 4,12,10
